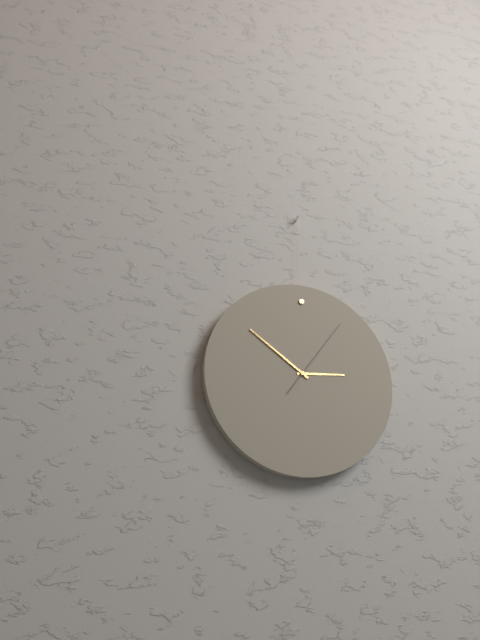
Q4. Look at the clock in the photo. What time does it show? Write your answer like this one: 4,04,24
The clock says 2,51,06
